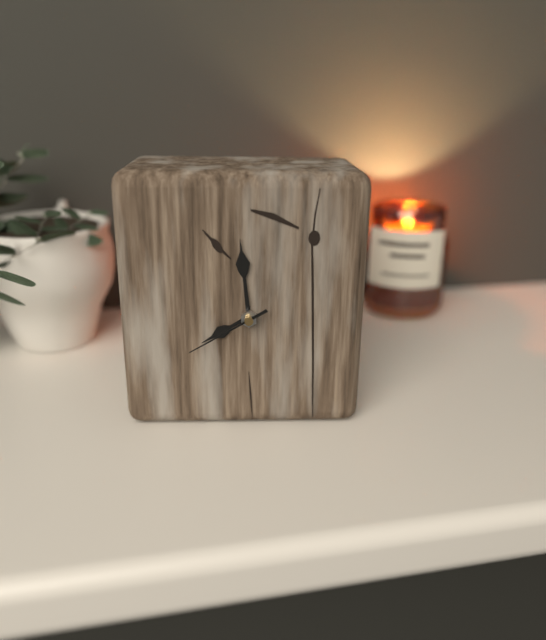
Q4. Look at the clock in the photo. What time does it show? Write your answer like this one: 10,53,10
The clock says 7,59,40
